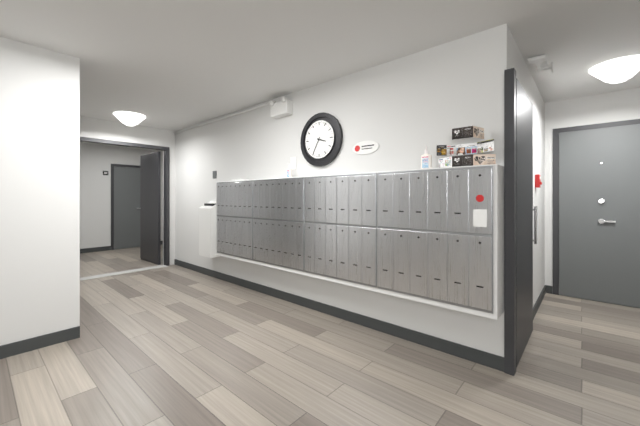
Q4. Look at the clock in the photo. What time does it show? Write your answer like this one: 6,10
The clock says 3,35
